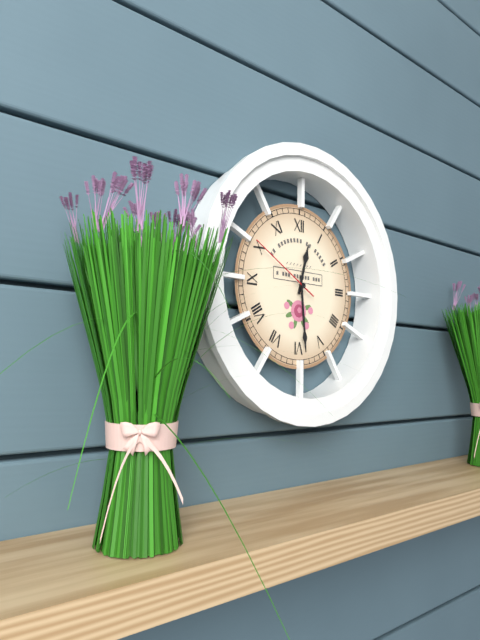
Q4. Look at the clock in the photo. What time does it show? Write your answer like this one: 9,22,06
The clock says 12,29,50
